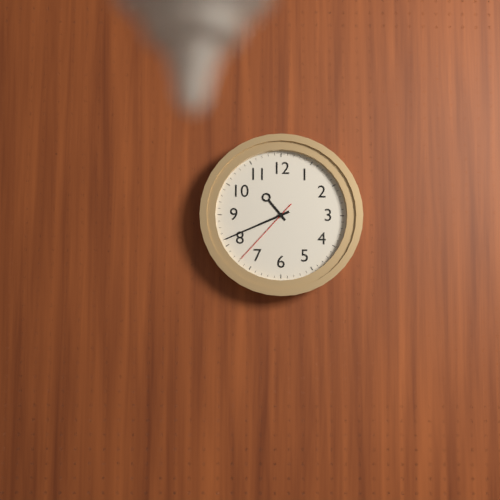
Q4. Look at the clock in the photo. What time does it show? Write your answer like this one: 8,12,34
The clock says 10,41,37
